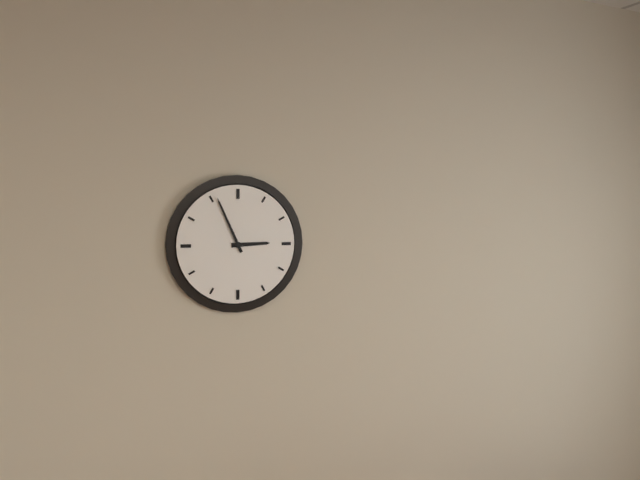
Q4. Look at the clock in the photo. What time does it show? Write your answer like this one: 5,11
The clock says 2,56
